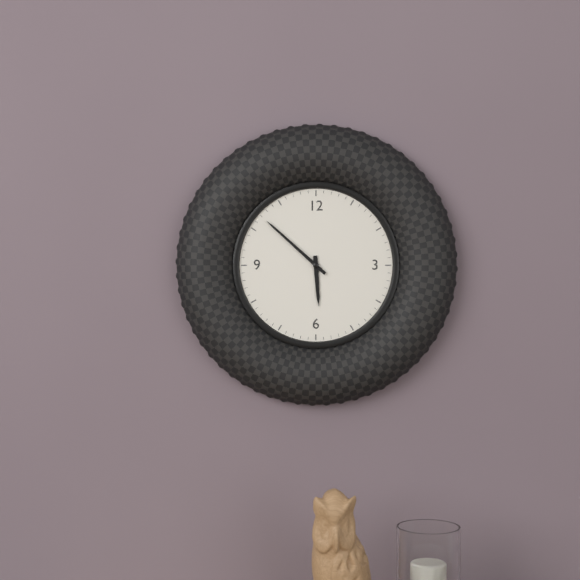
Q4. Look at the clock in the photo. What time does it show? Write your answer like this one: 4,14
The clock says 5,52
